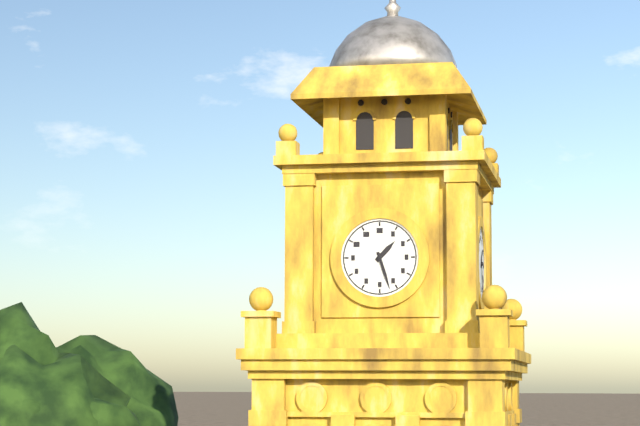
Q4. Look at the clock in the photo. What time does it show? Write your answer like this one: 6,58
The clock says 1,27
